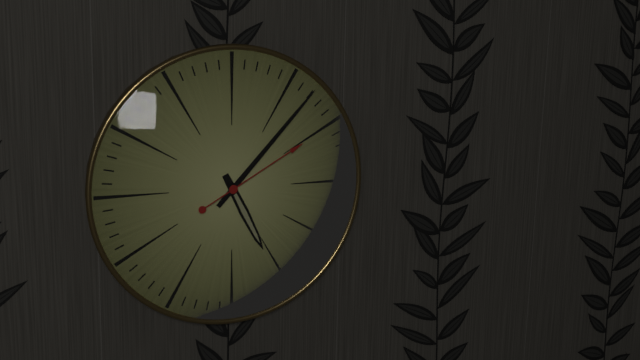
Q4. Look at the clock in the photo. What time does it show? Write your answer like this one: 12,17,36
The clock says 5,07,10
